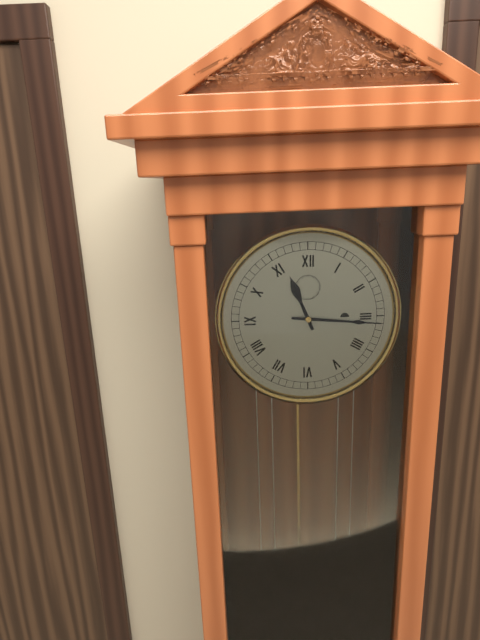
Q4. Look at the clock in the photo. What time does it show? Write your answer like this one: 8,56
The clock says 11,16
